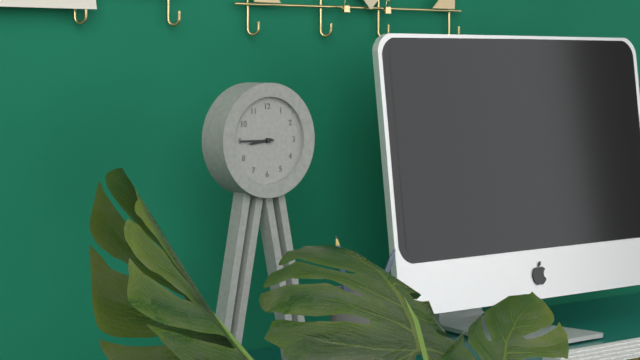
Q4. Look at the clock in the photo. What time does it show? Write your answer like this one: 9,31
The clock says 8,45
